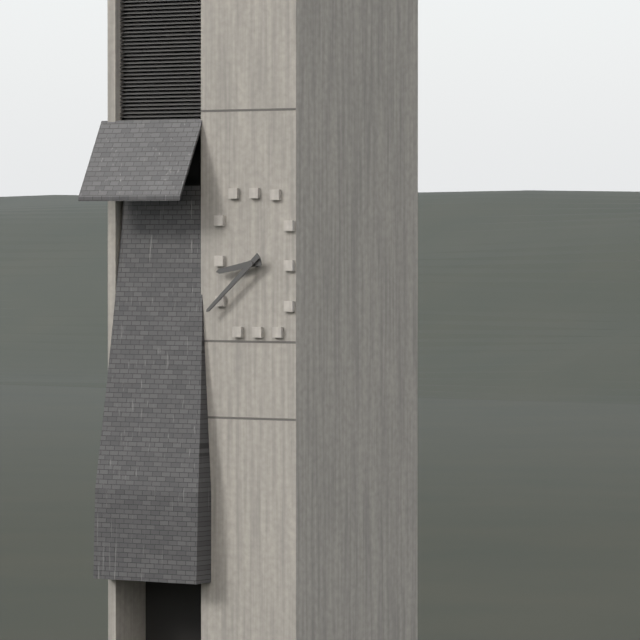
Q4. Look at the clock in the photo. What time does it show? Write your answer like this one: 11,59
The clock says 8,38
